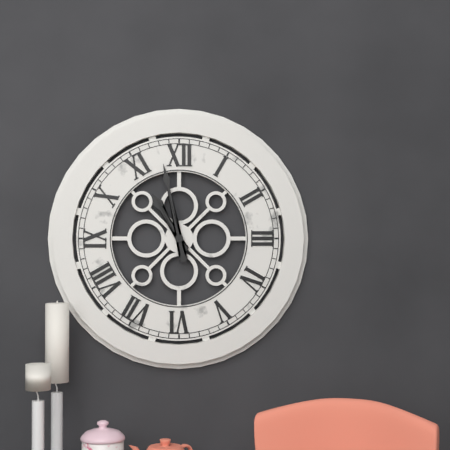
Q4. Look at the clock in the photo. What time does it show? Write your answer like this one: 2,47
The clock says 10,58
